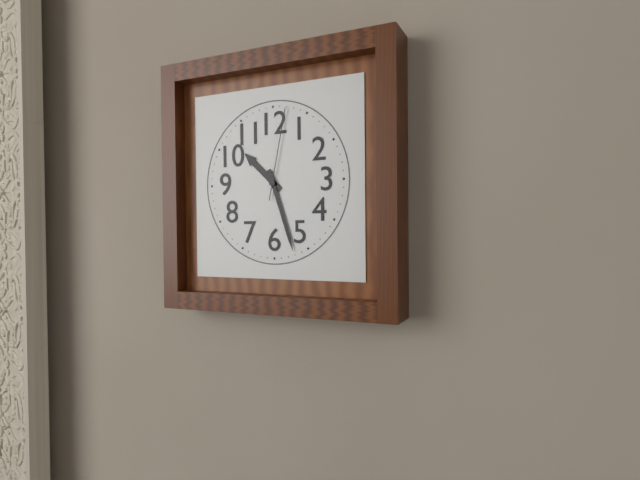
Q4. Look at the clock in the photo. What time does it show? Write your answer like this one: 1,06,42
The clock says 10,27,02
